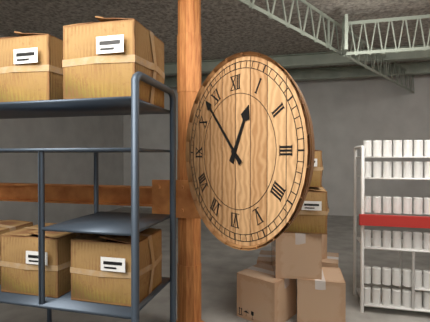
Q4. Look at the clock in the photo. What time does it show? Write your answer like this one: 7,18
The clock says 12,53
